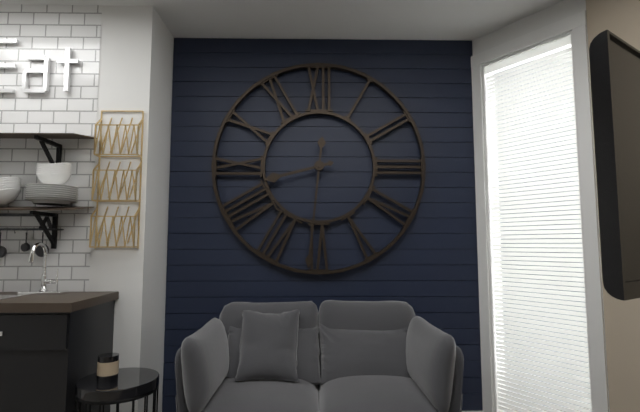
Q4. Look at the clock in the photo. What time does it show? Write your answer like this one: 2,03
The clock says 8,31
